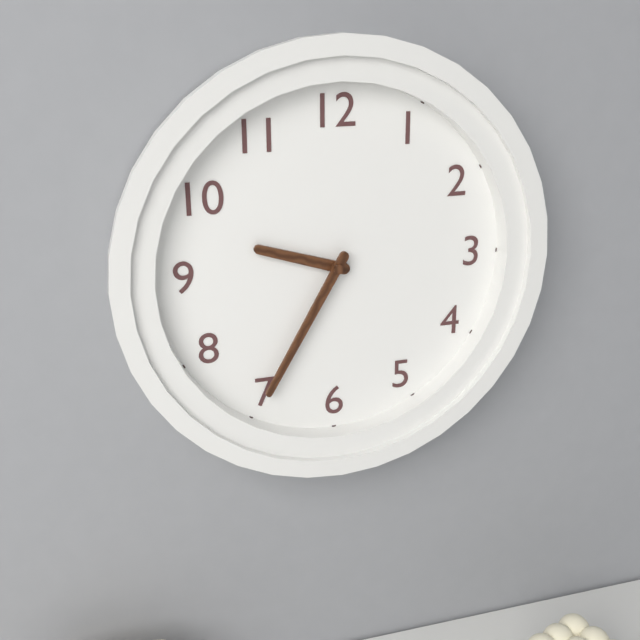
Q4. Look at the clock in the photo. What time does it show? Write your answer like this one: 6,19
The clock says 9,35
